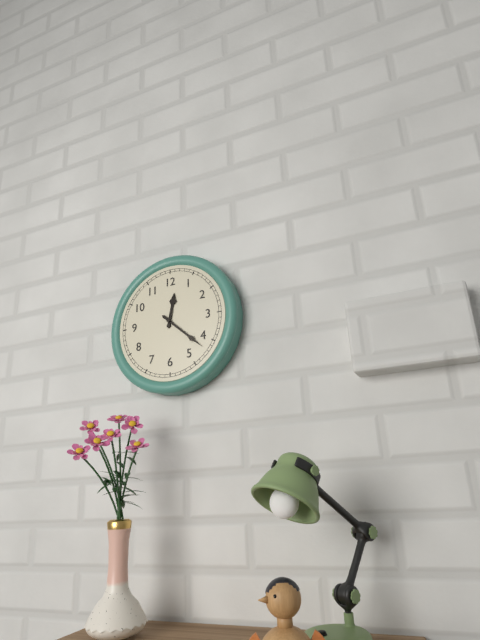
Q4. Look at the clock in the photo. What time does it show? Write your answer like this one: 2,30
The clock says 12,22
